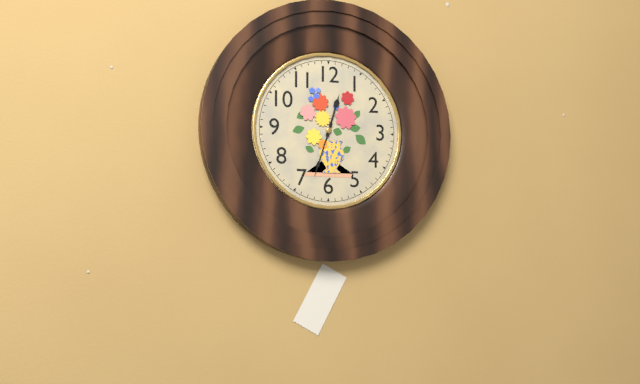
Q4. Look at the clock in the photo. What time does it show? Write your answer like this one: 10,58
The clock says 12,33
